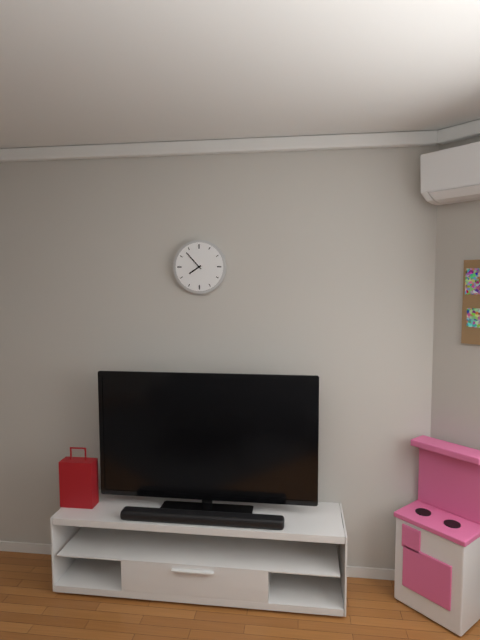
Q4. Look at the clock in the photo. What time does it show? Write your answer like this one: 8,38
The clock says 7,53
